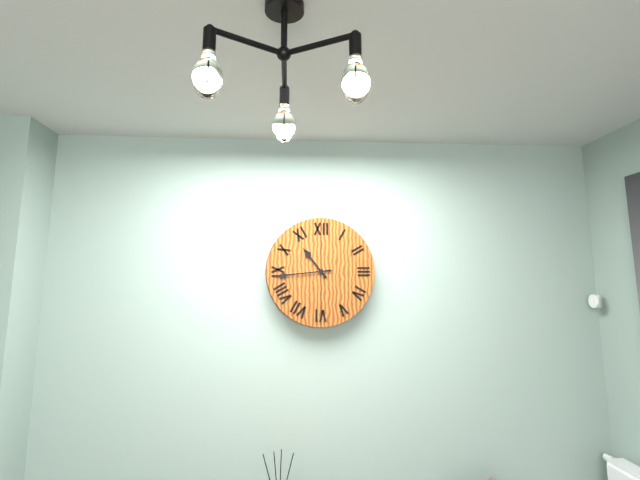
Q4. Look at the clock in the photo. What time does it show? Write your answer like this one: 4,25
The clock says 10,44
